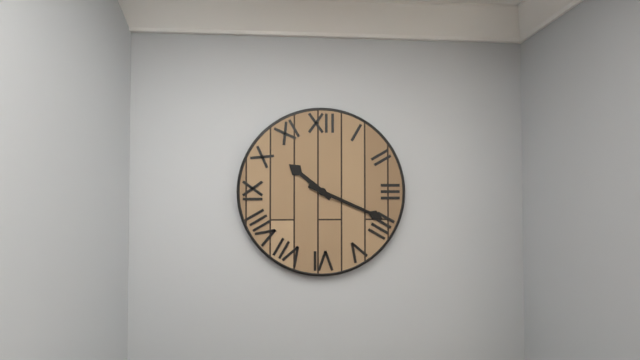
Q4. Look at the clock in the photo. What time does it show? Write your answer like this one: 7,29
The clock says 10,19
